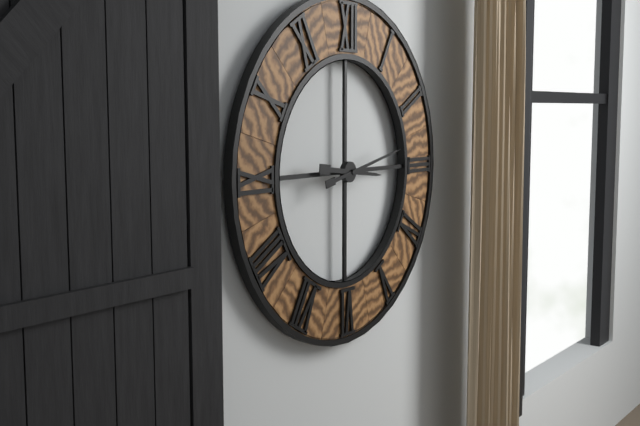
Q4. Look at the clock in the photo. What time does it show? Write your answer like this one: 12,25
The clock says 3,13
